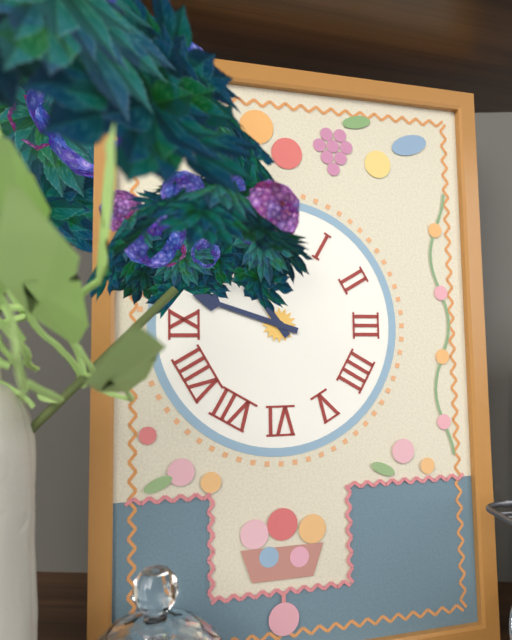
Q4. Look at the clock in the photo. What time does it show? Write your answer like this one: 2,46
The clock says 10,48
